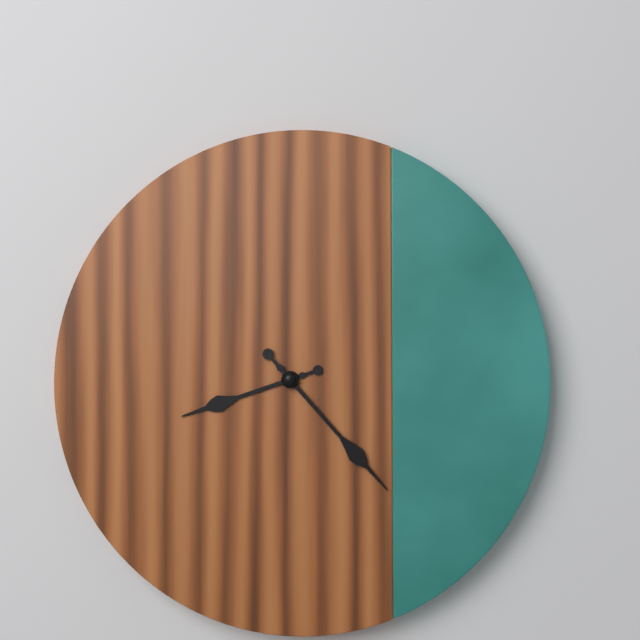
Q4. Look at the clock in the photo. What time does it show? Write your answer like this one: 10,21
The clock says 8,23
